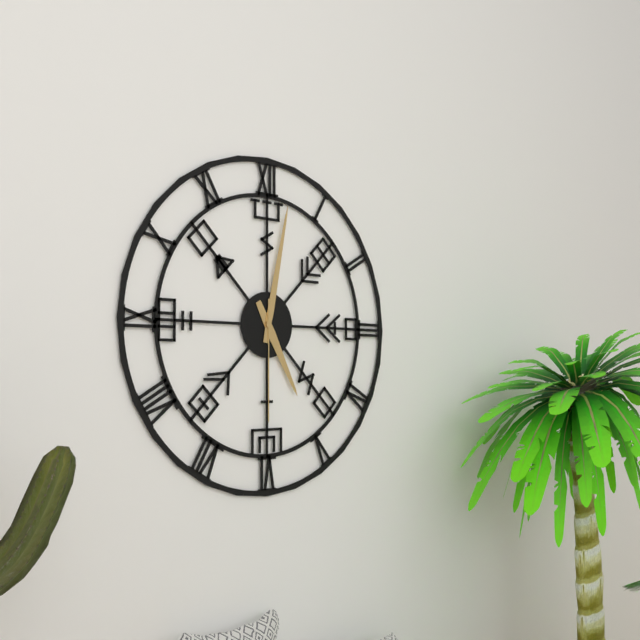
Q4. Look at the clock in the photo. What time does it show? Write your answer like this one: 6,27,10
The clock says 5,02,30
